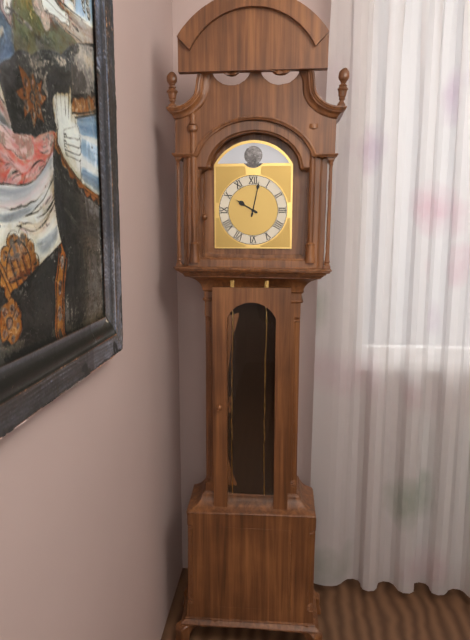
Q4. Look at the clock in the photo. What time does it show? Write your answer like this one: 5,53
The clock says 10,02
